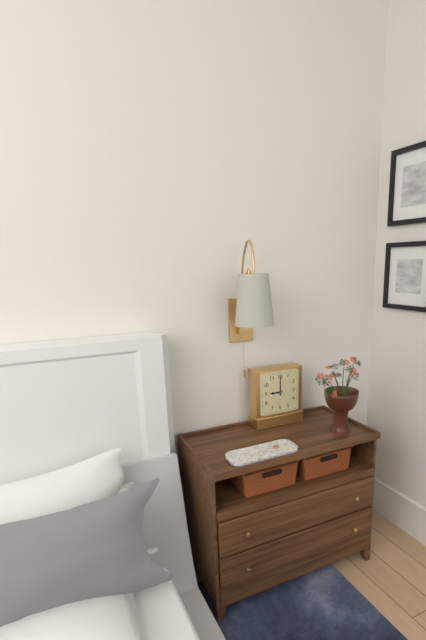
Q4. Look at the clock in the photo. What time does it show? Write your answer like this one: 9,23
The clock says 9,00
